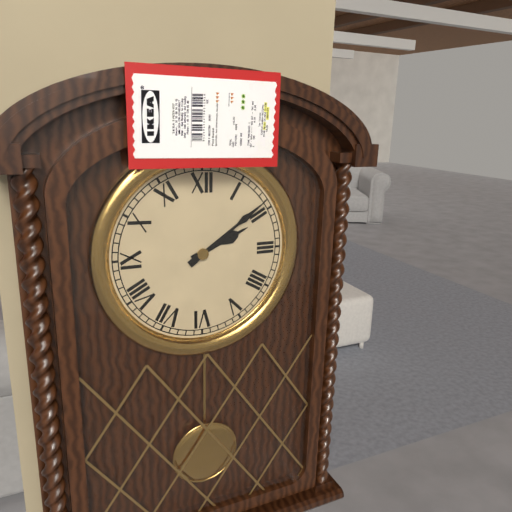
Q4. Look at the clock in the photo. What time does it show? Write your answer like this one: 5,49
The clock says 2,09
